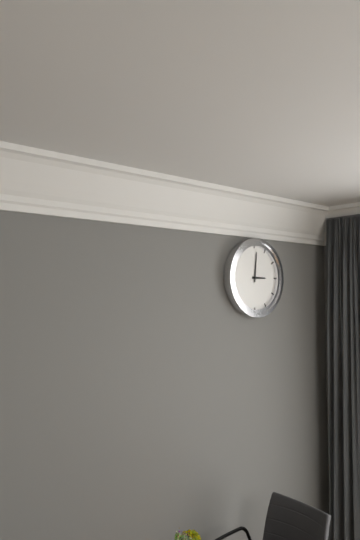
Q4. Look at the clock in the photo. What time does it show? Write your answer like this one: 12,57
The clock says 3,01
